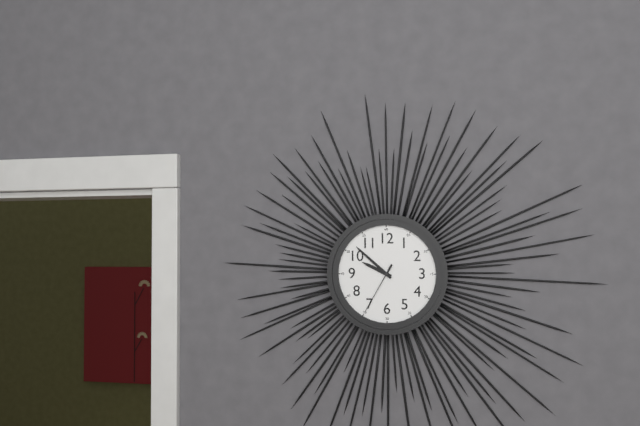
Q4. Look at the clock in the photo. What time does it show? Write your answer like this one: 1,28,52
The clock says 9,52,35
